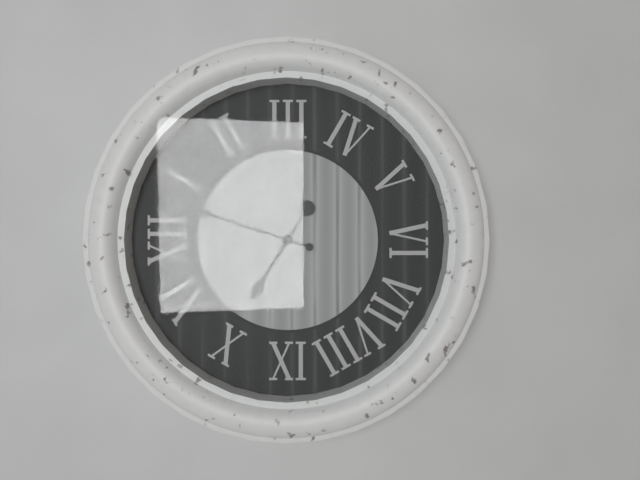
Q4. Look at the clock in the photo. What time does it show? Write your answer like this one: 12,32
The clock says 10,03
